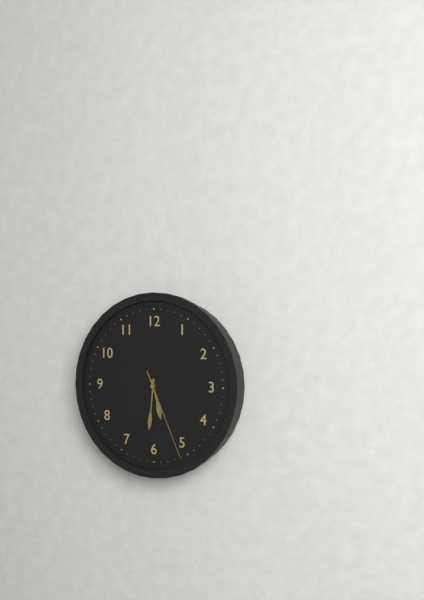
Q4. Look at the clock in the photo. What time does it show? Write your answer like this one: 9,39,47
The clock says 5,31,26
